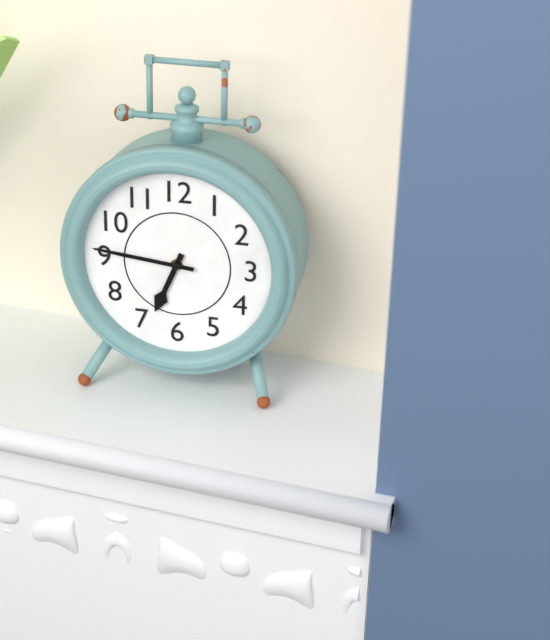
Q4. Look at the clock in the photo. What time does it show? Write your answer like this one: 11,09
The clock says 6,46
